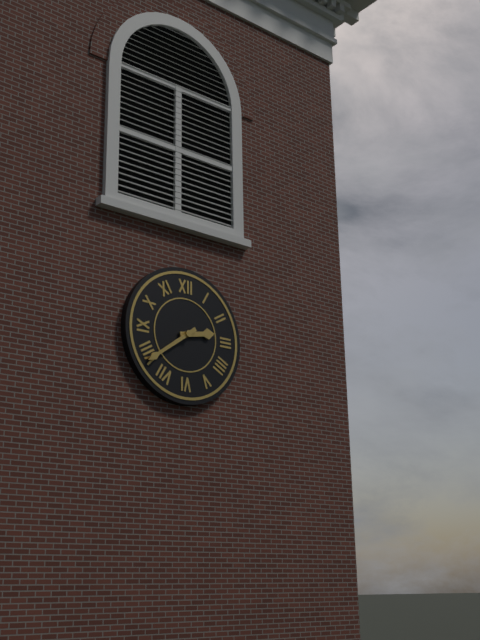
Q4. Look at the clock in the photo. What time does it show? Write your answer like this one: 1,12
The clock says 2,39
